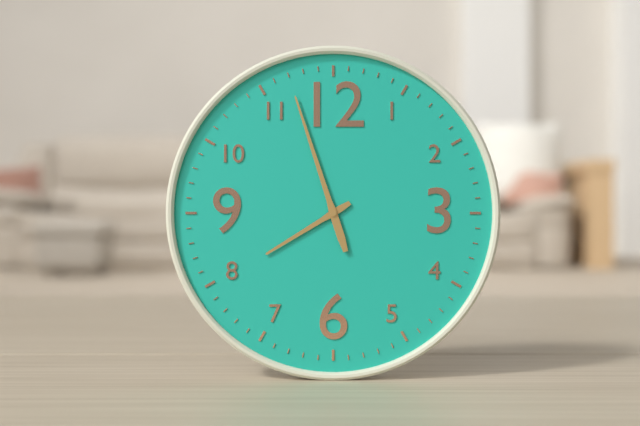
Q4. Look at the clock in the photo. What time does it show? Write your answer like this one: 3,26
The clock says 7,57
